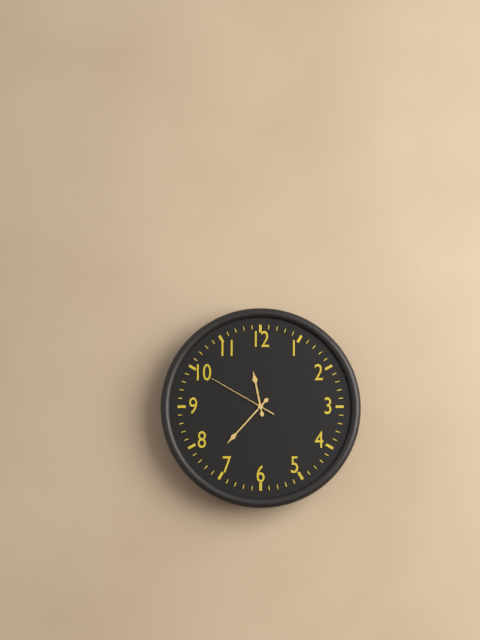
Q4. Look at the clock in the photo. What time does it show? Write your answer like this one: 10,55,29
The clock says 11,37,50
